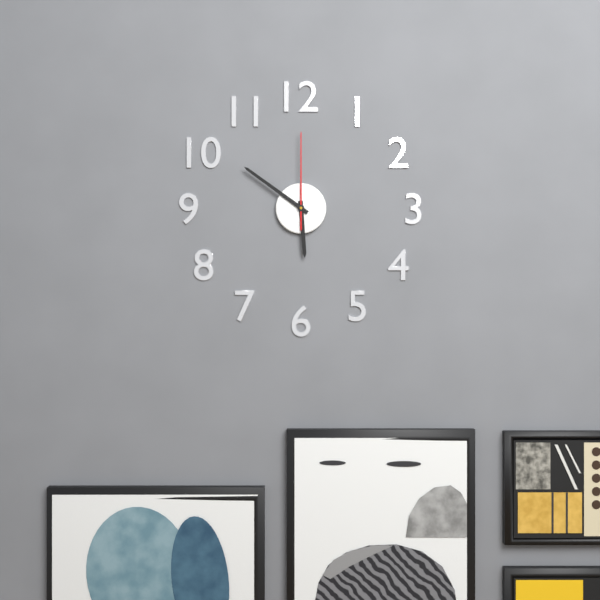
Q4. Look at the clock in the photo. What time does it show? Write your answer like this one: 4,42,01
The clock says 5,51,00
